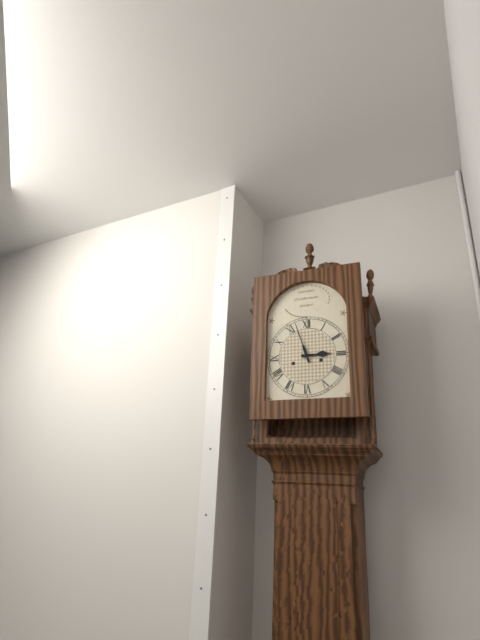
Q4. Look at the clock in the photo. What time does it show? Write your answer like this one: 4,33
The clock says 2,57
